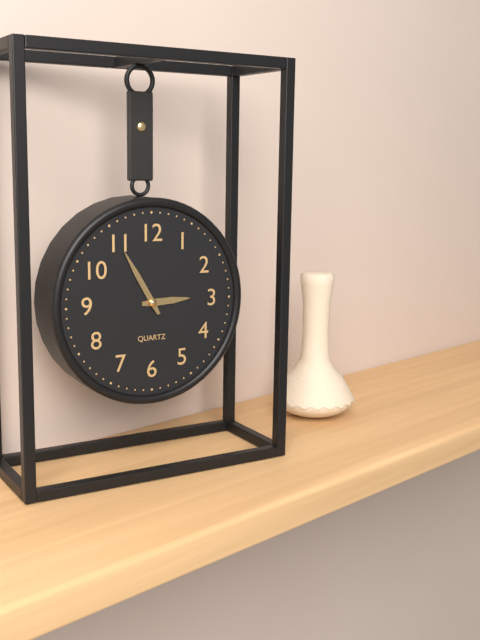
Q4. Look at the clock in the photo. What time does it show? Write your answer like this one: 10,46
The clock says 2,55
